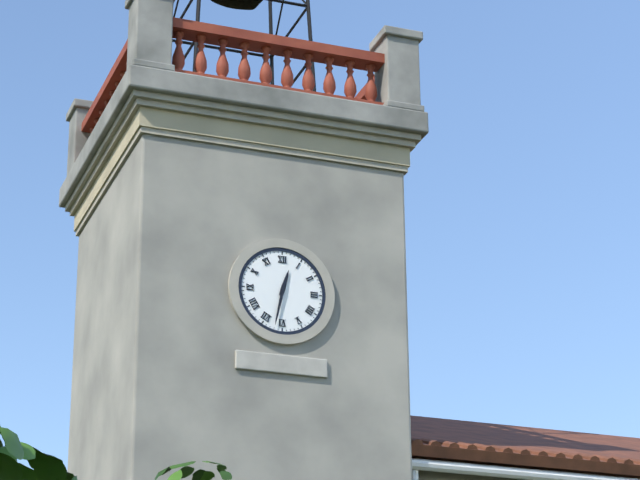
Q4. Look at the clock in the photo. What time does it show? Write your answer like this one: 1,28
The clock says 12,32
